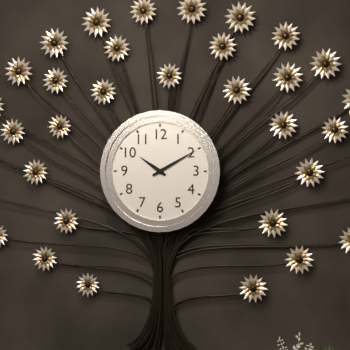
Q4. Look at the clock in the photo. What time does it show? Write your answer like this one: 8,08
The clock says 10,10
